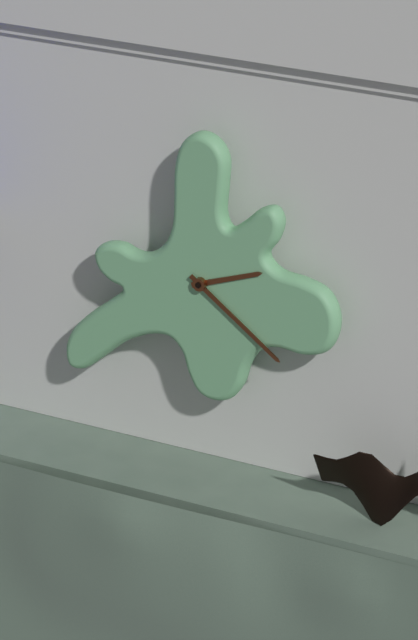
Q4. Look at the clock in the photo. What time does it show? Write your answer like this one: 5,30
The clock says 2,21
